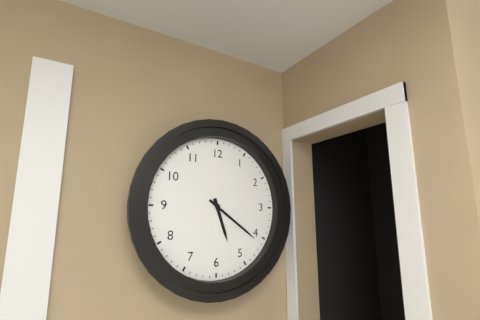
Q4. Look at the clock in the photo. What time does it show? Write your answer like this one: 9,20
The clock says 5,21
